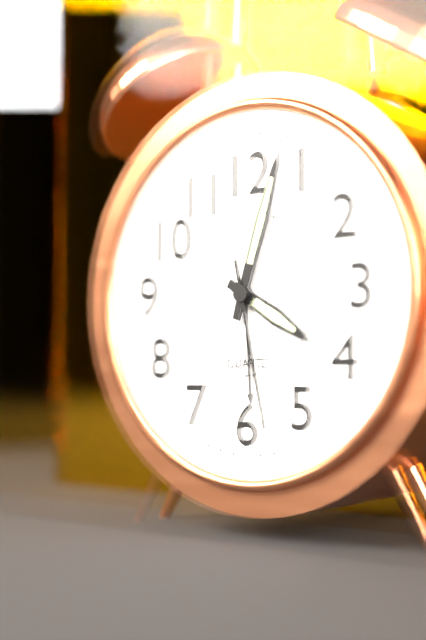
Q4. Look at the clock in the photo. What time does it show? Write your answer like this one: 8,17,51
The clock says 4,03,28
